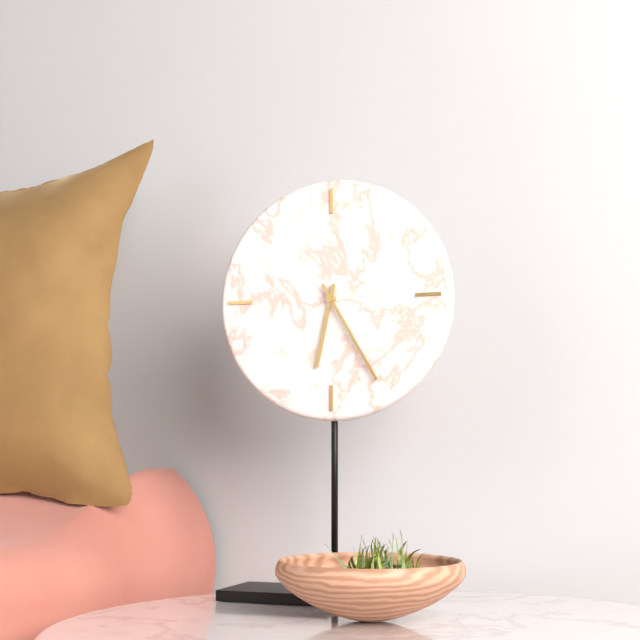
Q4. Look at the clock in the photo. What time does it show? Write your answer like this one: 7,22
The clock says 6,25
